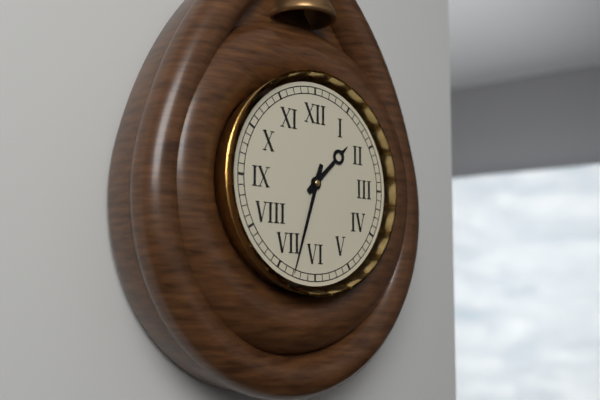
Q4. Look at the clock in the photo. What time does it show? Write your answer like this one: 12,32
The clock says 1,33
